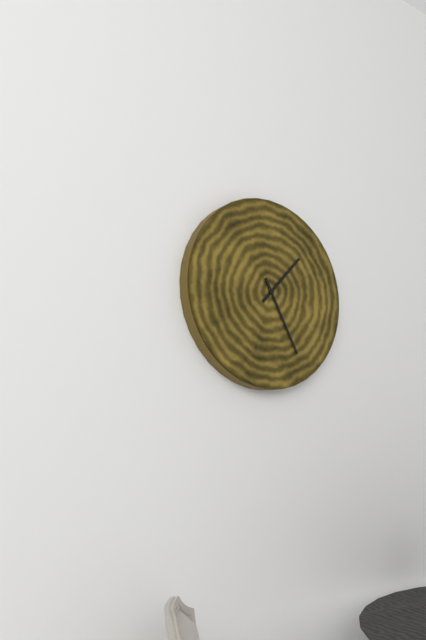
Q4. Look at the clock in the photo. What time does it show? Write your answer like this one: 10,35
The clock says 1,25
